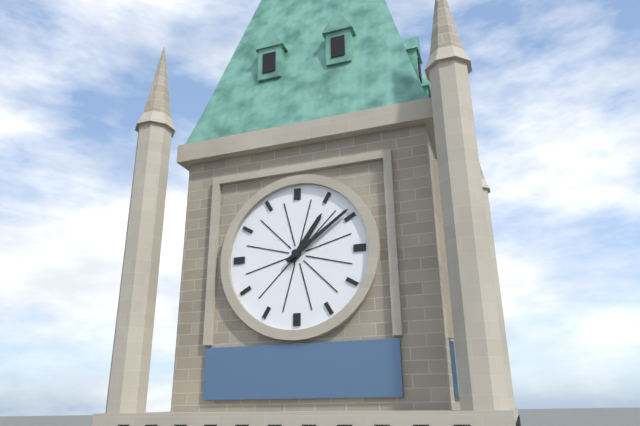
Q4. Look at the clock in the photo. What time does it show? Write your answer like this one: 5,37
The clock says 1,09
